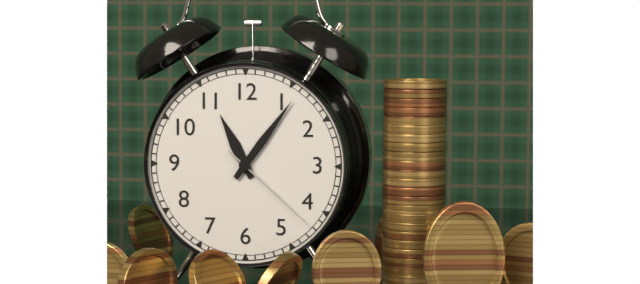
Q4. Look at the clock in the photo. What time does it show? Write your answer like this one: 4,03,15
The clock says 11,06,22
